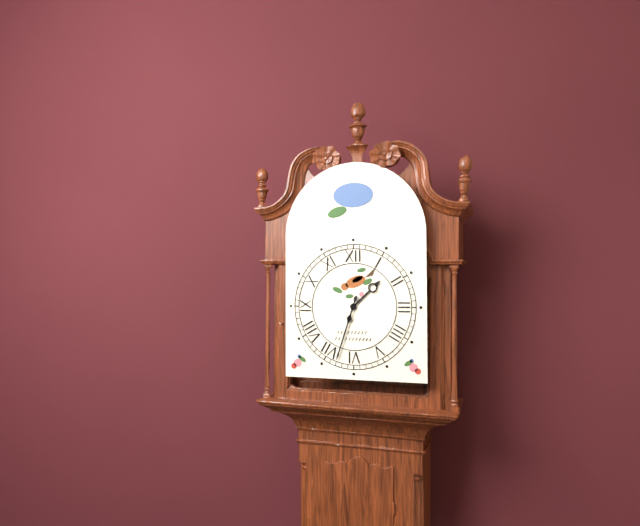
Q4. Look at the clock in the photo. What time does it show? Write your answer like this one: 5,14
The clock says 1,33
